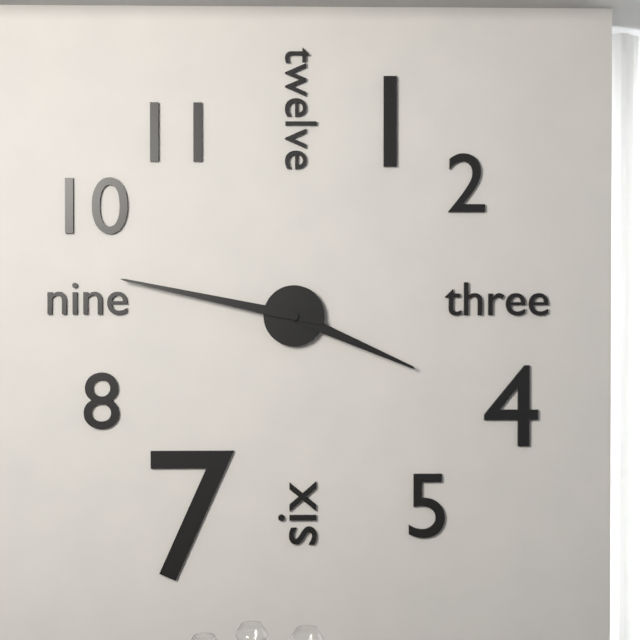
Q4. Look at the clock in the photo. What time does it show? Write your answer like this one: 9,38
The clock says 3,47
